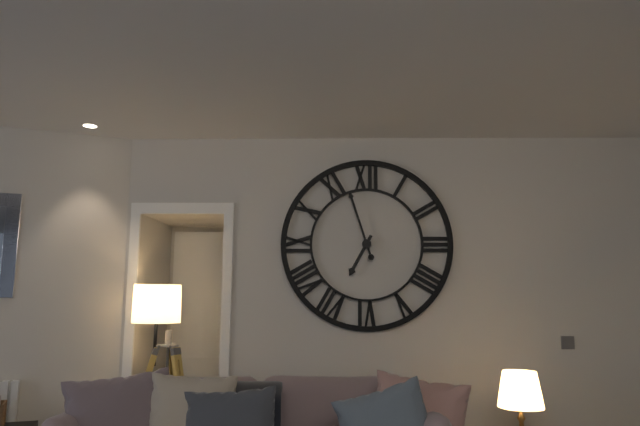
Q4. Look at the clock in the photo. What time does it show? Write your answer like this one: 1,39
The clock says 6,57
